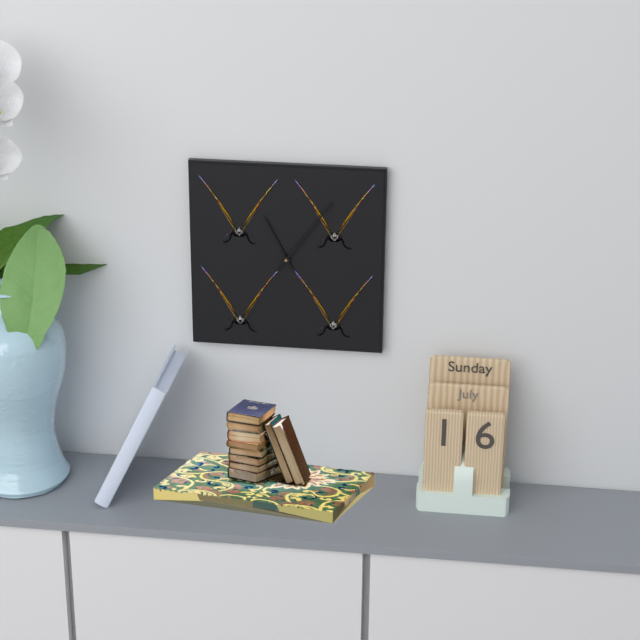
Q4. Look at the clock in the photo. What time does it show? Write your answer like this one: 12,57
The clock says 11,06
